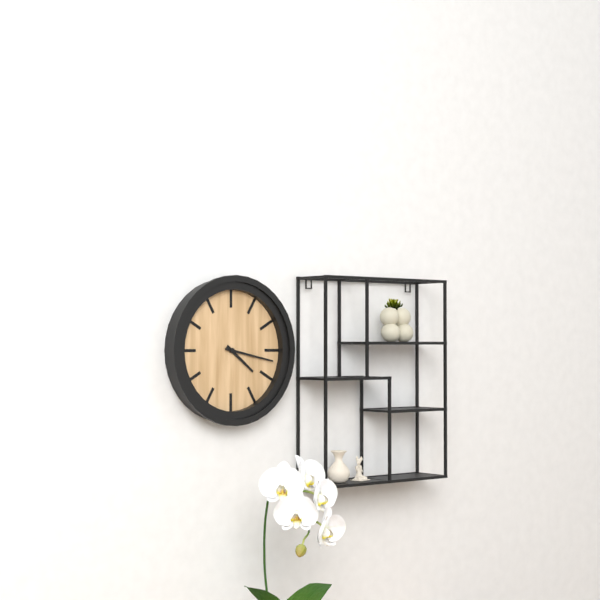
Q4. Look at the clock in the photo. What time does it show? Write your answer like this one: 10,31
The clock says 4,17
